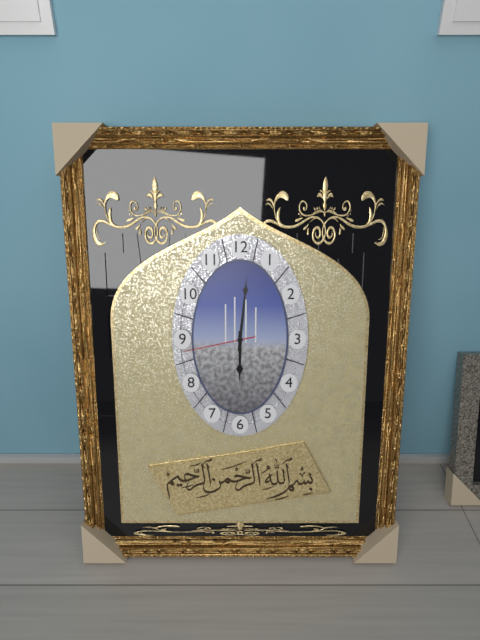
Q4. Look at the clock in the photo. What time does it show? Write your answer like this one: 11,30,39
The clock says 6,01,43
